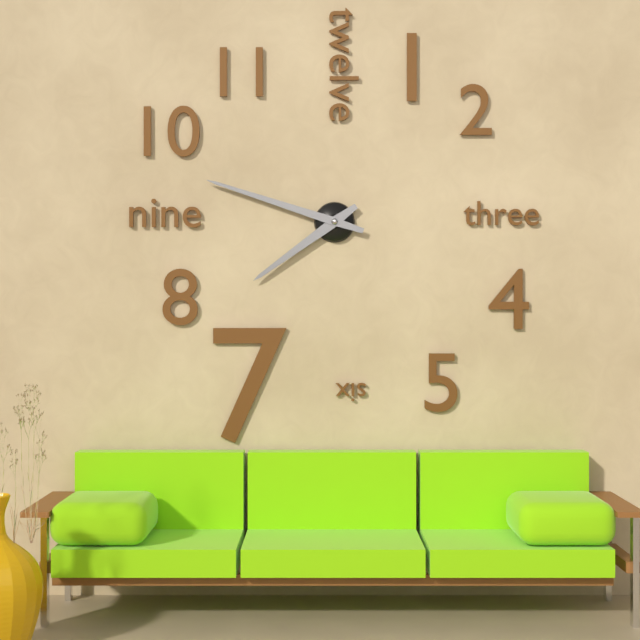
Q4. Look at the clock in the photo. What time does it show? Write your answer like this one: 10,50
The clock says 7,48
